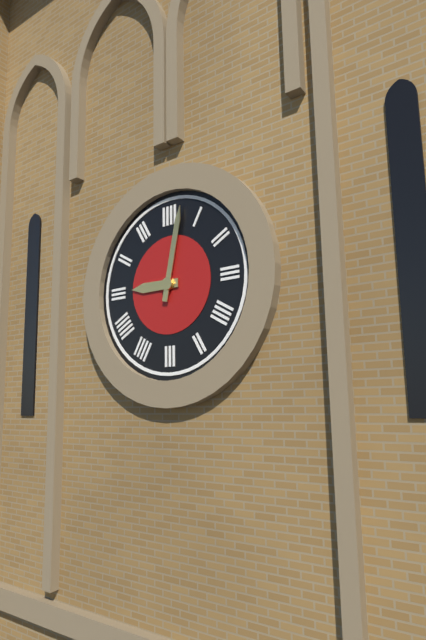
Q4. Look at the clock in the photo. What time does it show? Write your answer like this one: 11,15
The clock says 9,02
